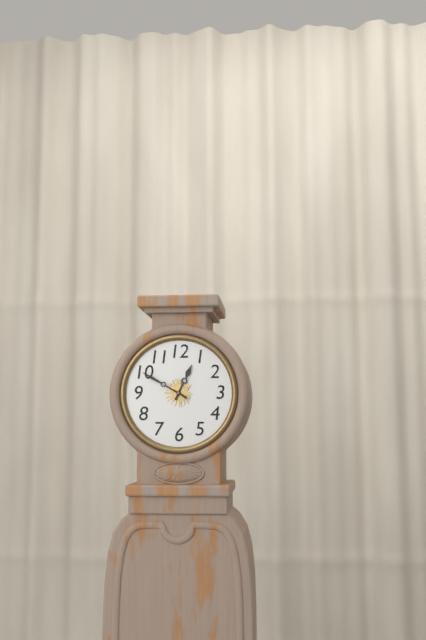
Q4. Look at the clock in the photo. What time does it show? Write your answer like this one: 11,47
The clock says 12,50
